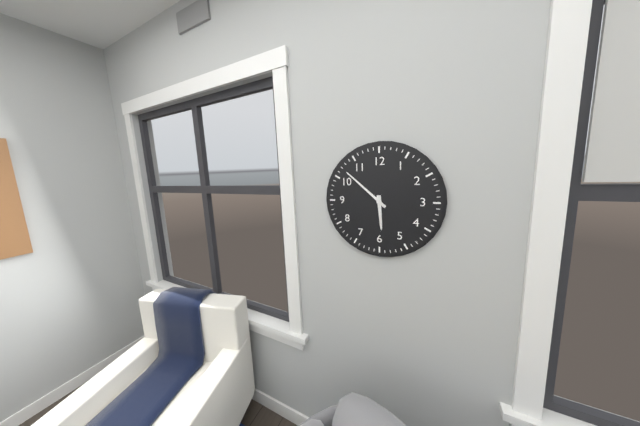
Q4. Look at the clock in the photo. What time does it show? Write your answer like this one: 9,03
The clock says 5,52
